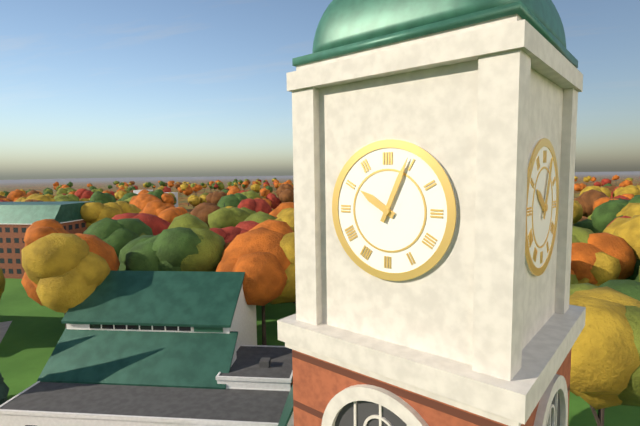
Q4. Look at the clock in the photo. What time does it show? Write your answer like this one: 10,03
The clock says 10,04
